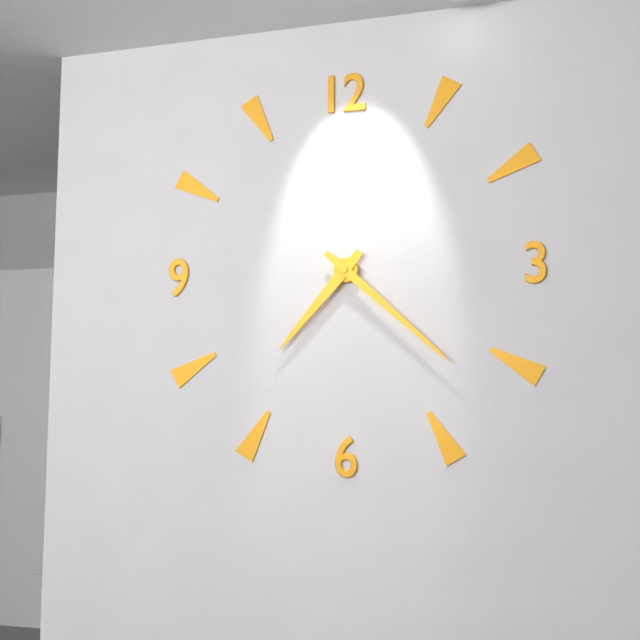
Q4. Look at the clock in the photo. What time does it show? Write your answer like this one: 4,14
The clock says 7,22
